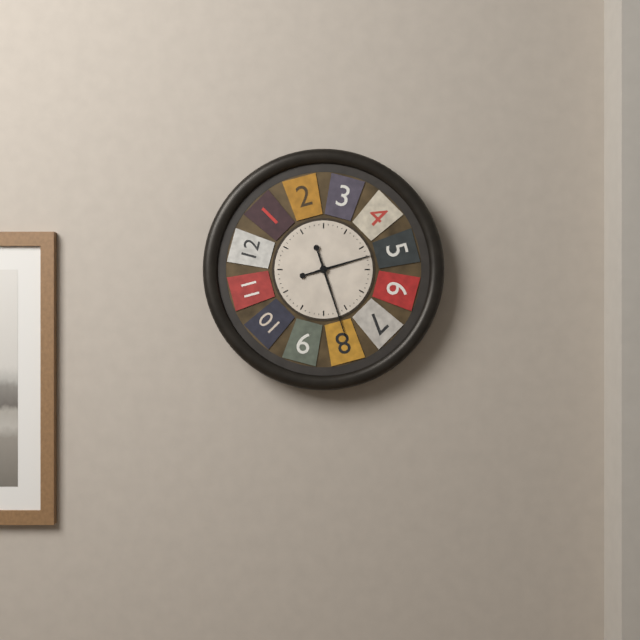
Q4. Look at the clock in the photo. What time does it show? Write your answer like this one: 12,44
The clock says 2,27
